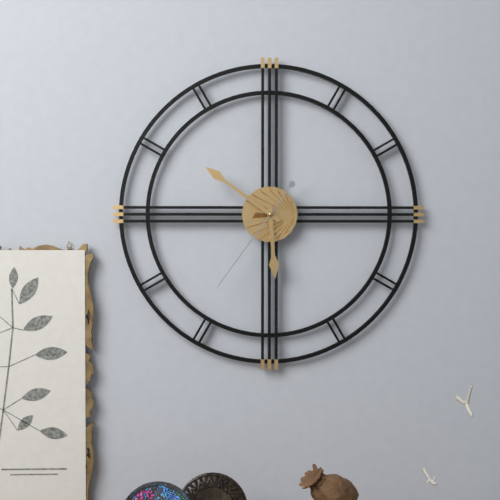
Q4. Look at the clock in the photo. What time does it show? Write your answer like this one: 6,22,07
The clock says 5,51,36
